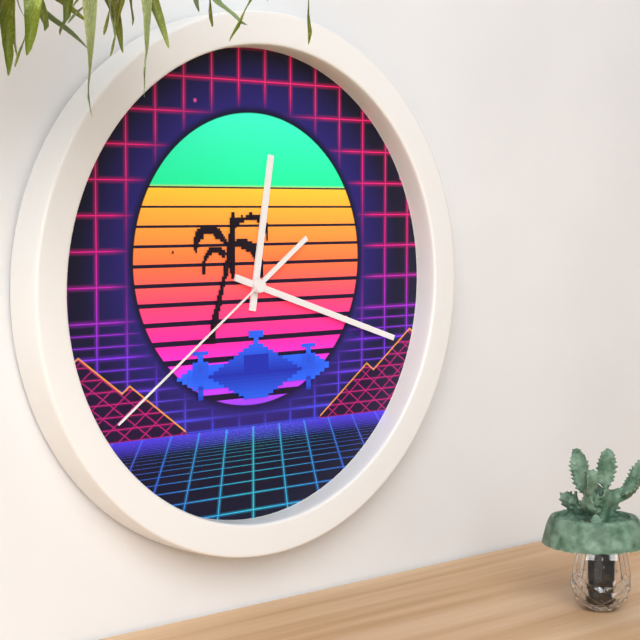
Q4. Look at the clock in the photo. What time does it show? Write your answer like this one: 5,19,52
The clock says 12,18,39
